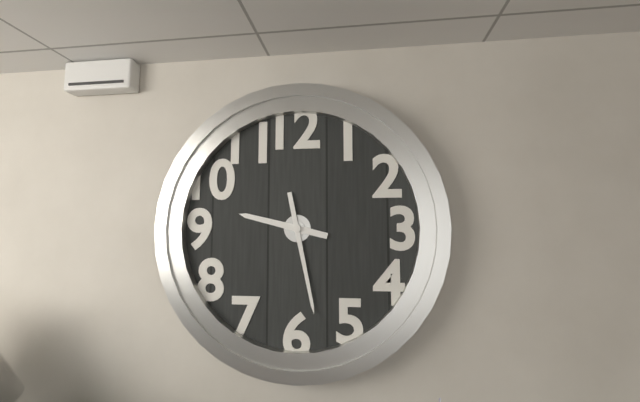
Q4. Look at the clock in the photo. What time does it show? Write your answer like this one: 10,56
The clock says 9,28
